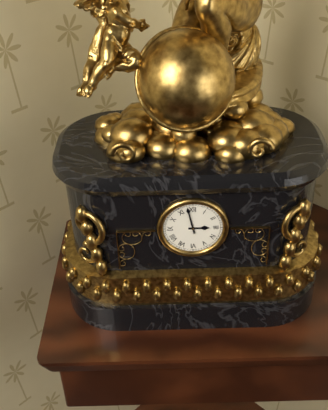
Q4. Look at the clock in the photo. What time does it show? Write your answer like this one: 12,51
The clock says 2,58
